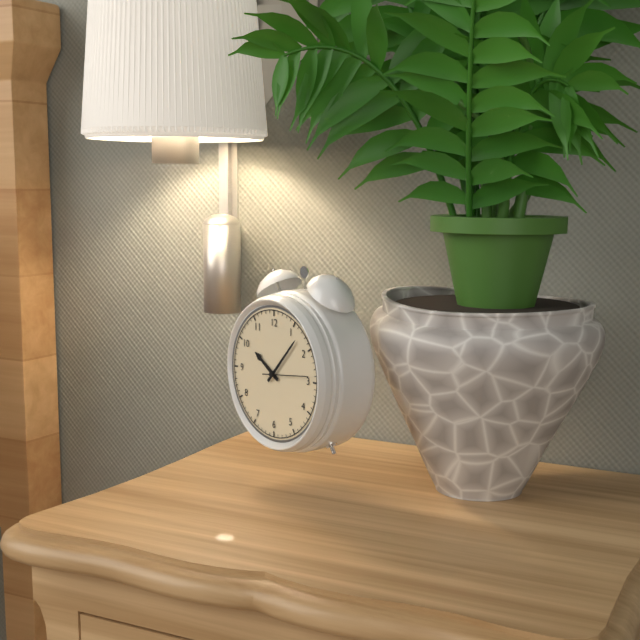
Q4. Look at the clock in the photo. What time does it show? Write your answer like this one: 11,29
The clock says 10,07
